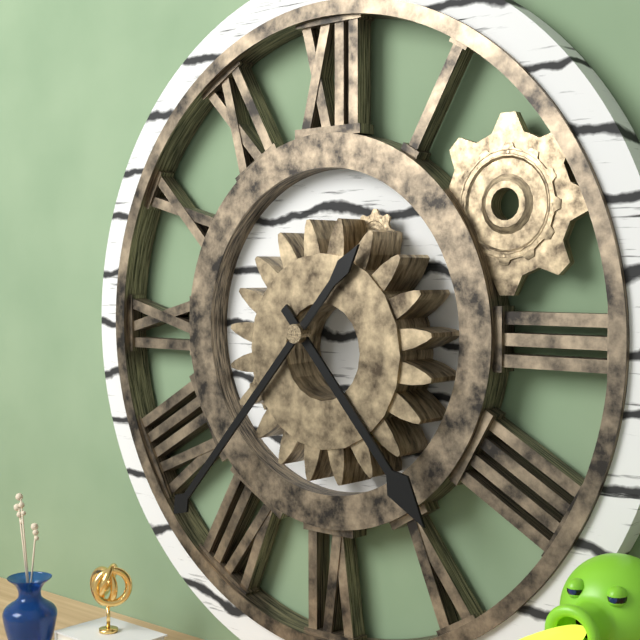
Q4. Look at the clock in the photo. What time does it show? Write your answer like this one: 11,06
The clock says 4,37
